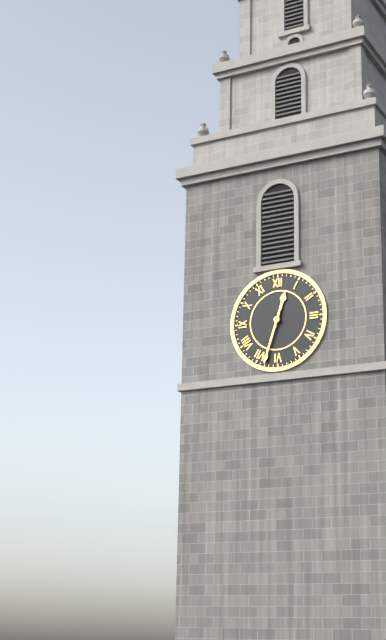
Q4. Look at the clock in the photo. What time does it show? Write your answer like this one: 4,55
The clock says 12,33
